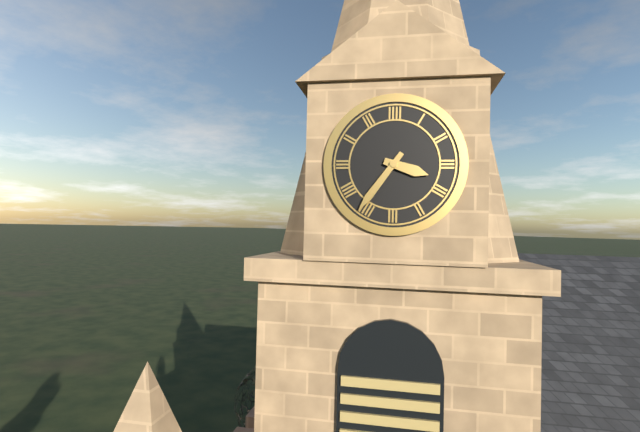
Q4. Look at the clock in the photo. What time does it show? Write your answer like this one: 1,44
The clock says 3,36
